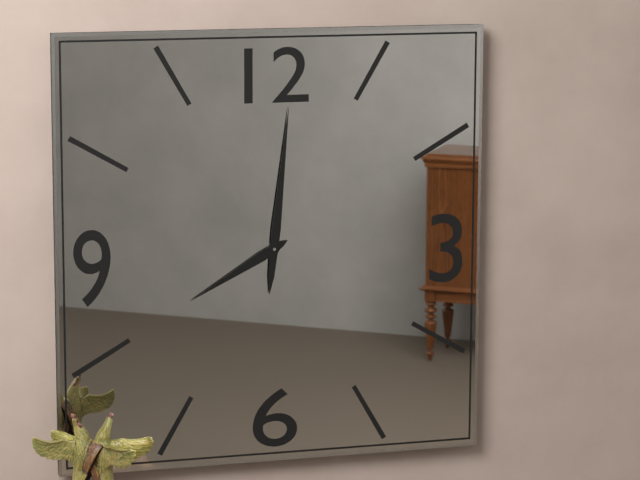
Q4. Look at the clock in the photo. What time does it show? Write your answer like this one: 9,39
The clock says 8,01
